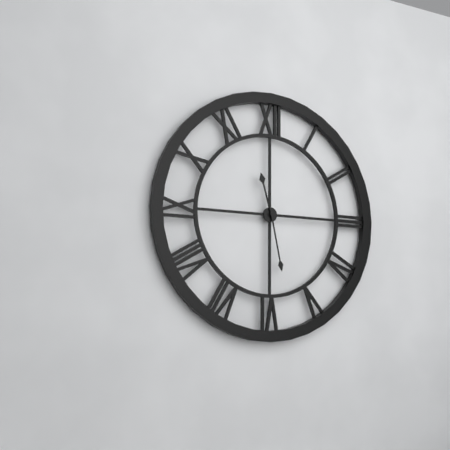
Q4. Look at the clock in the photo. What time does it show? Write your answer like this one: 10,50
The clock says 11,28
